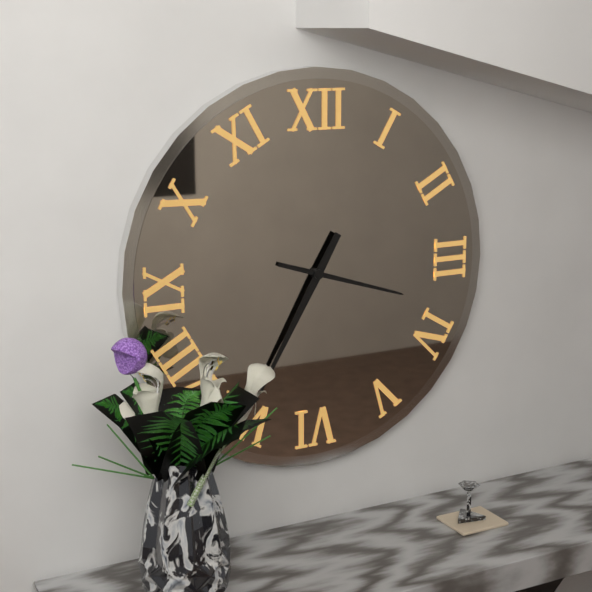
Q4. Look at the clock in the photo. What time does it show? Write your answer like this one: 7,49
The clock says 3,35
